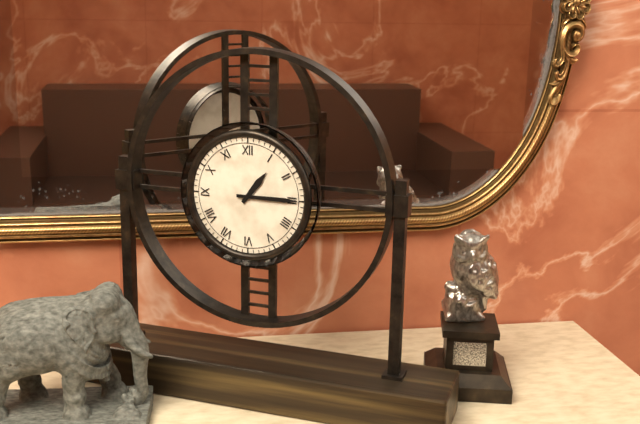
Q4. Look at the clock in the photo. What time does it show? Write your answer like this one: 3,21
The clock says 1,15
